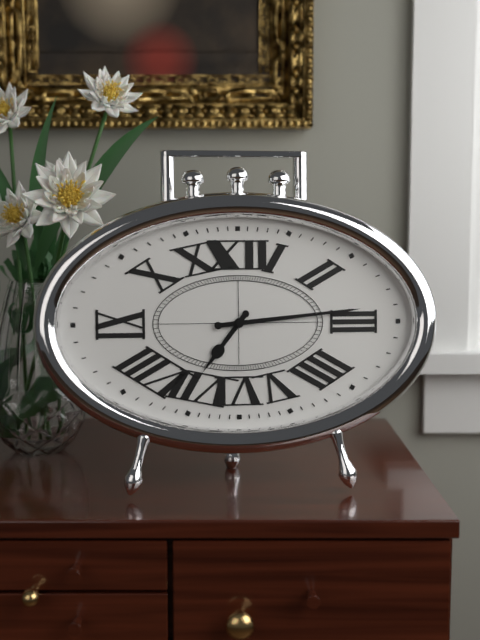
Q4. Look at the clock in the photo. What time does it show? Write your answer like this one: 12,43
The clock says 7,14
